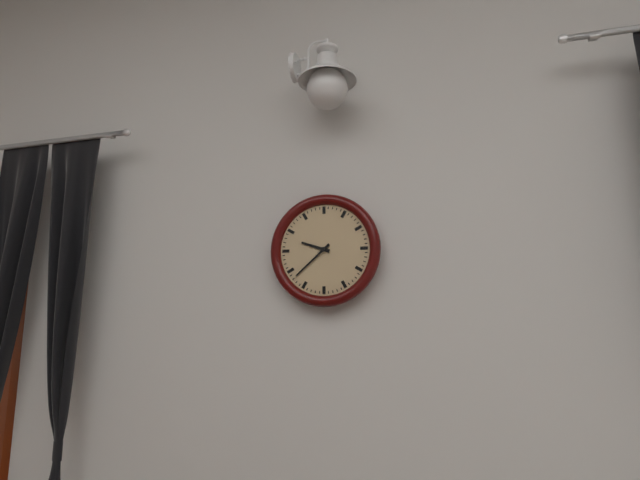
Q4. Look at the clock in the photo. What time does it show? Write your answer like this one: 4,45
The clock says 9,38
